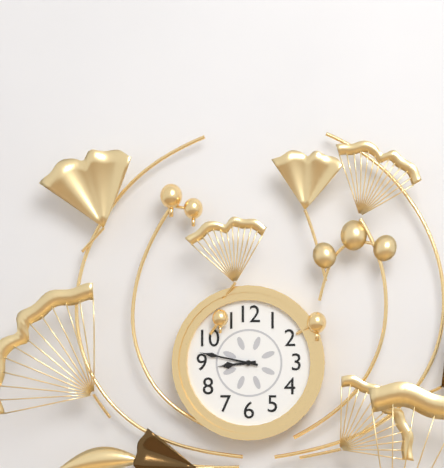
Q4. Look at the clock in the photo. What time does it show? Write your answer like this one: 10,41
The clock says 8,47
